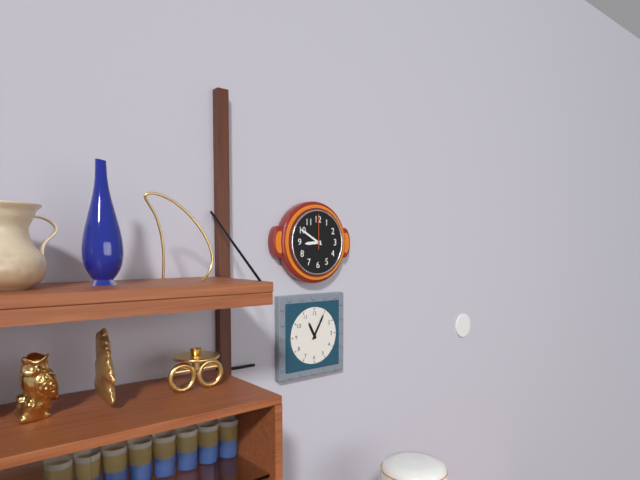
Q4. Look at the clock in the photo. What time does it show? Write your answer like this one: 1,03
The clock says 8,50
